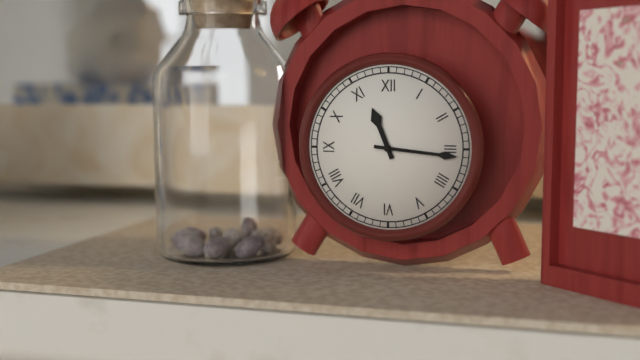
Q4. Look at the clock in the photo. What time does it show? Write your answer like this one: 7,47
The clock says 11,16
